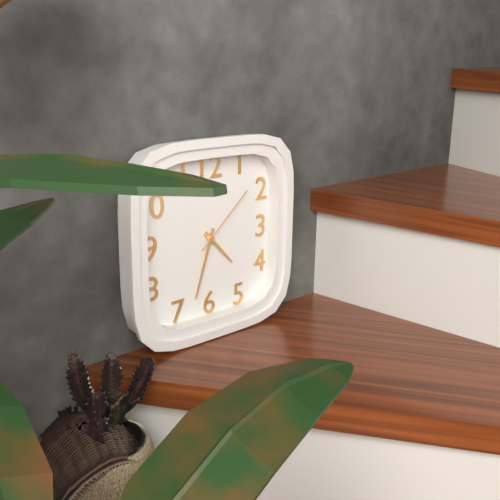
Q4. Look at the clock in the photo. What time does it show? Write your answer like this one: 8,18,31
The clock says 4,33,08
